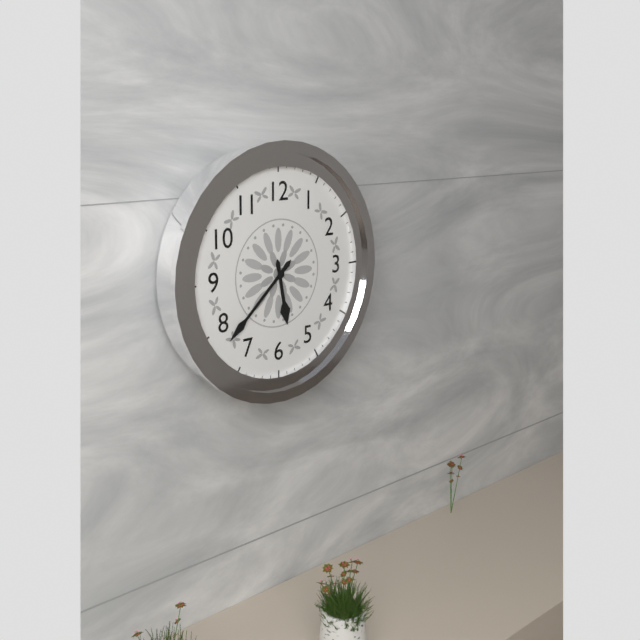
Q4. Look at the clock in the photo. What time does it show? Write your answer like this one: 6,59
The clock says 5,38
